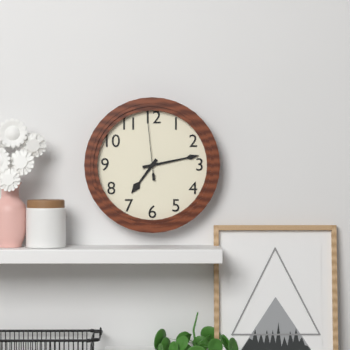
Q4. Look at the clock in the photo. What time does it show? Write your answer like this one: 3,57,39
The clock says 7,13,59
